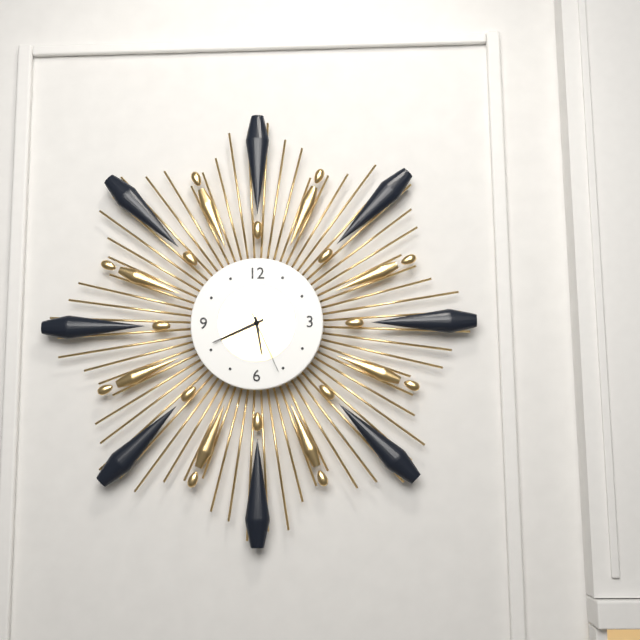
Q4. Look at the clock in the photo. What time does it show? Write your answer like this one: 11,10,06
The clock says 5,41,26
